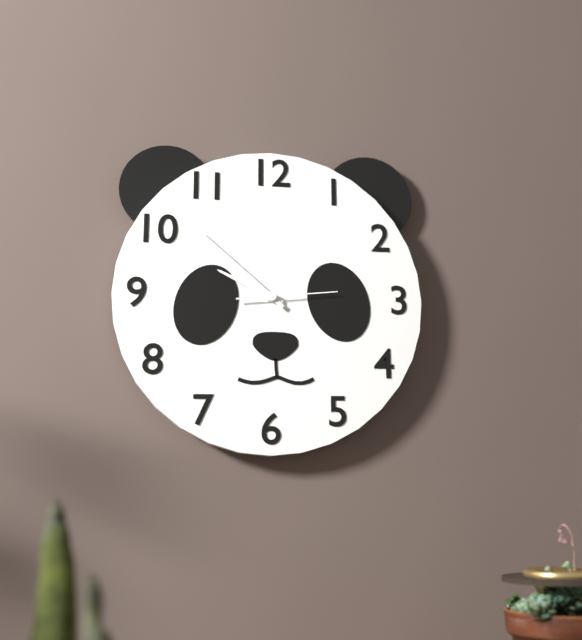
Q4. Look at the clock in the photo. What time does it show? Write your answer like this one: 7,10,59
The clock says 9,52,14
